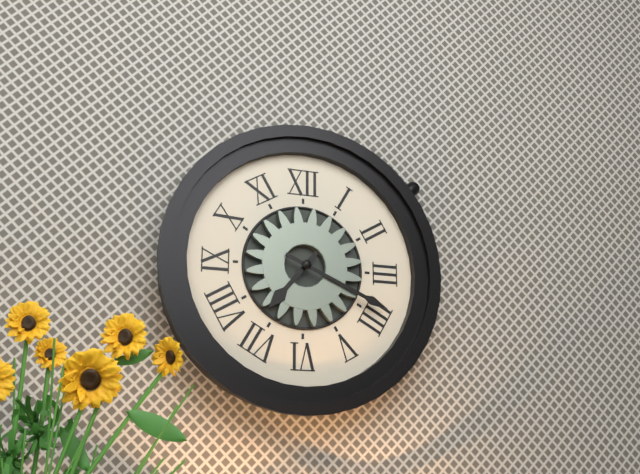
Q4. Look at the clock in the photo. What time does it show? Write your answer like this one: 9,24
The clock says 7,19
